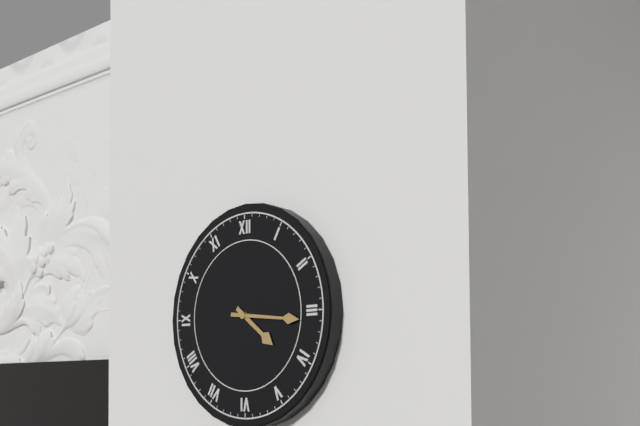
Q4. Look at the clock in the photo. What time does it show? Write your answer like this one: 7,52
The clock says 4,16
